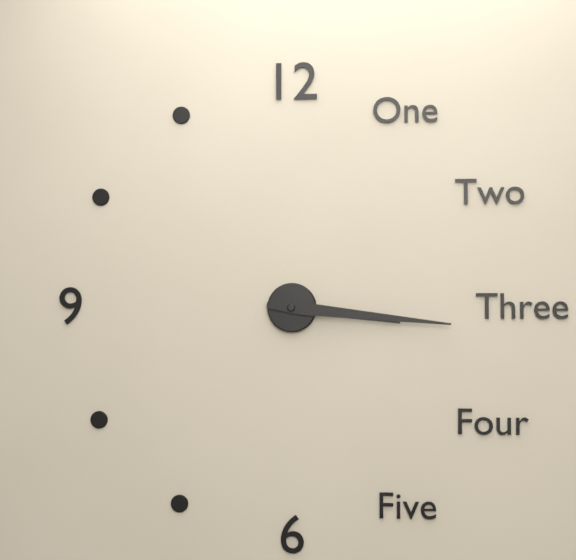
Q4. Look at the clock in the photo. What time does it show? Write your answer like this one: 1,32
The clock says 3,16
